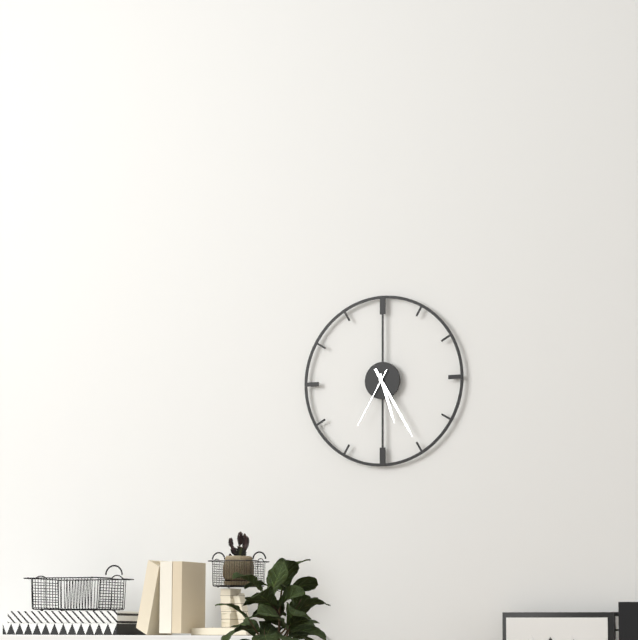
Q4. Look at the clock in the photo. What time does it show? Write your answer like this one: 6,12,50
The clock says 5,25,35
